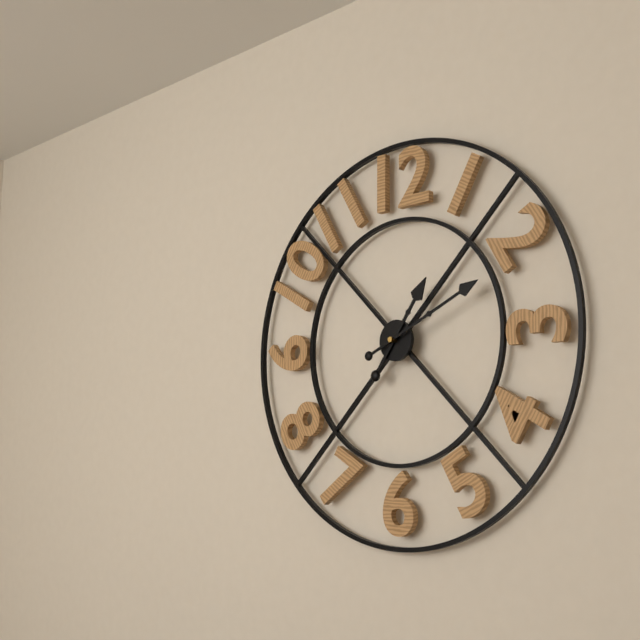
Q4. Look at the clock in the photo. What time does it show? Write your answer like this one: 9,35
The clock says 1,11
